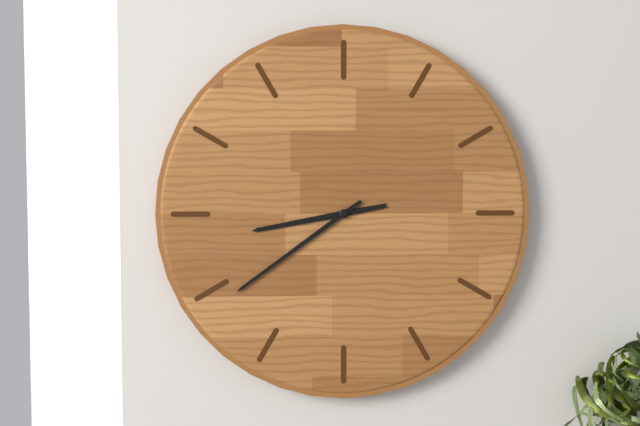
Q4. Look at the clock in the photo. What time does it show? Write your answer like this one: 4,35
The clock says 8,39
